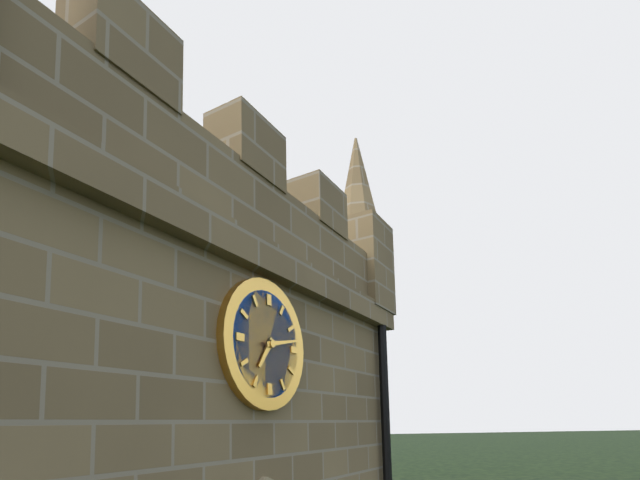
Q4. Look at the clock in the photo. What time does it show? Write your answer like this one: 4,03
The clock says 7,13
